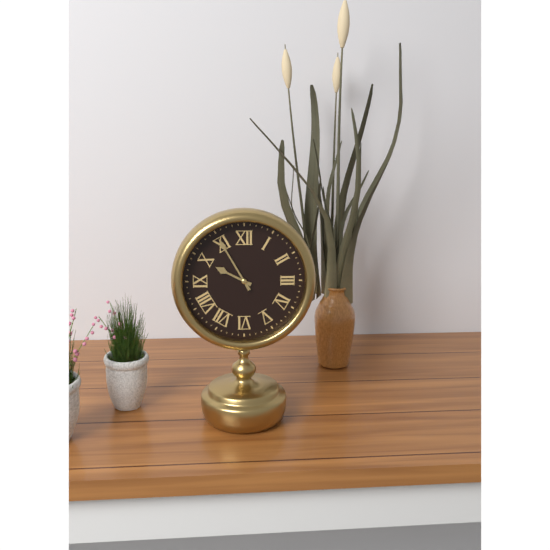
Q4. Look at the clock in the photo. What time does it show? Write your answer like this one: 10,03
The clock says 9,55
